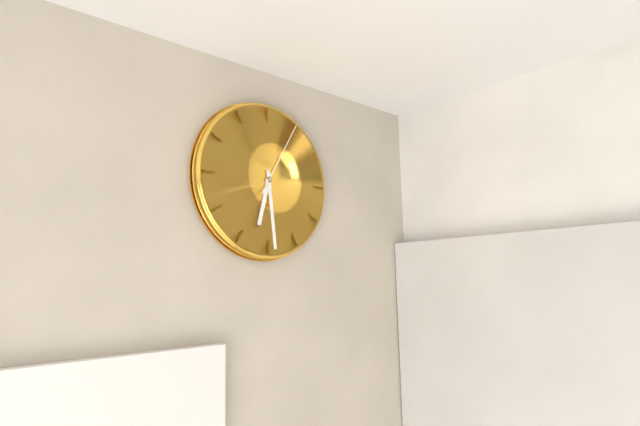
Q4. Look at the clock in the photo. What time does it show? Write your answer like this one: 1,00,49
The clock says 6,29,05
